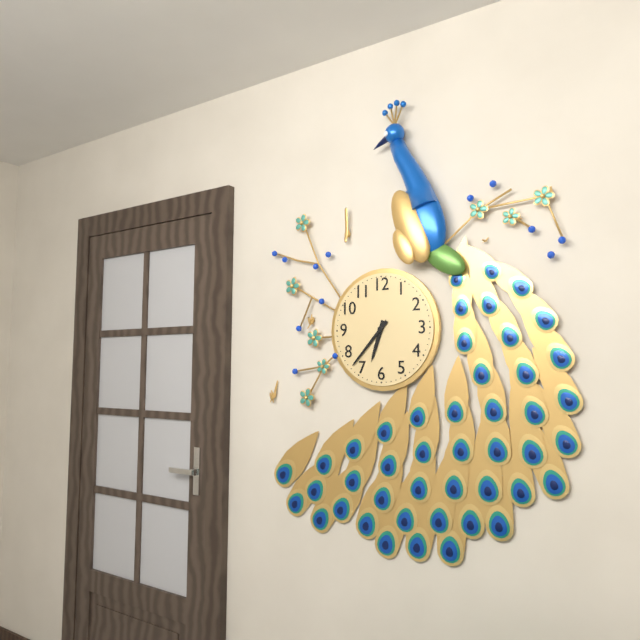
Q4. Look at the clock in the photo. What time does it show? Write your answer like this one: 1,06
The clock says 6,37
